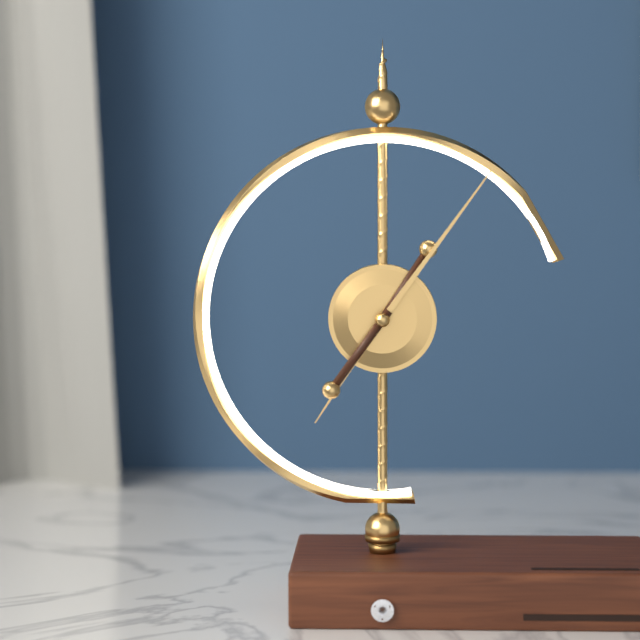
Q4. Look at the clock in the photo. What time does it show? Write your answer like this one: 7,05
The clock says 7,06
